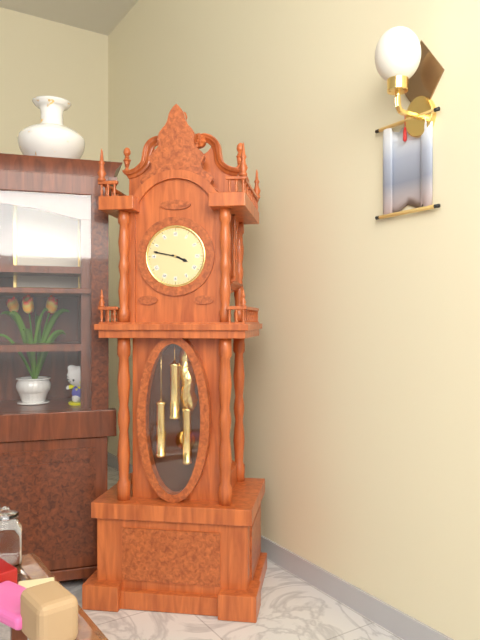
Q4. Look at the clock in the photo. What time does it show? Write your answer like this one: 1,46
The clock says 3,47
